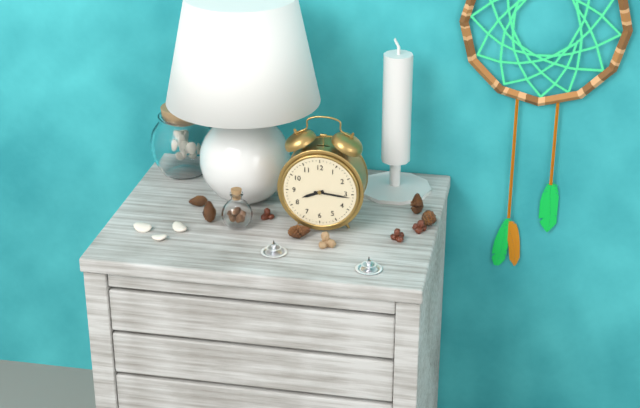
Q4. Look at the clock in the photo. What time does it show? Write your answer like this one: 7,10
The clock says 8,16
